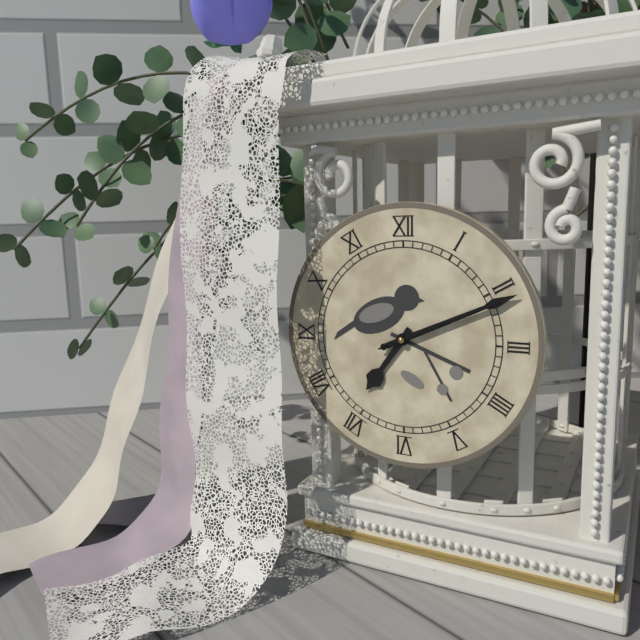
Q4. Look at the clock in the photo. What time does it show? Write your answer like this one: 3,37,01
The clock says 7,11,11
